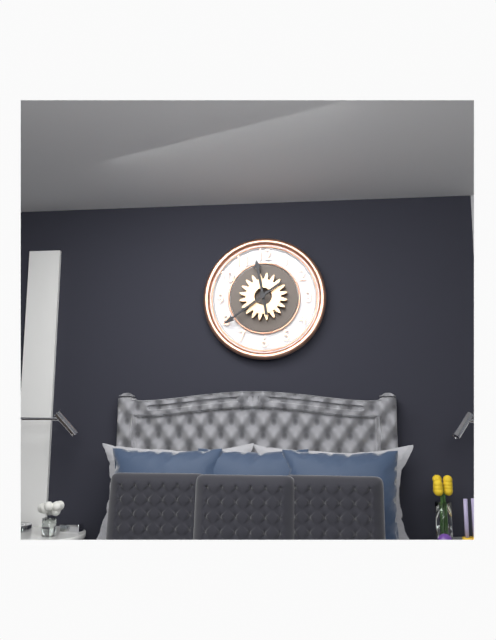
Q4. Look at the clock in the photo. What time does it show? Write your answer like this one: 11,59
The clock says 11,39
